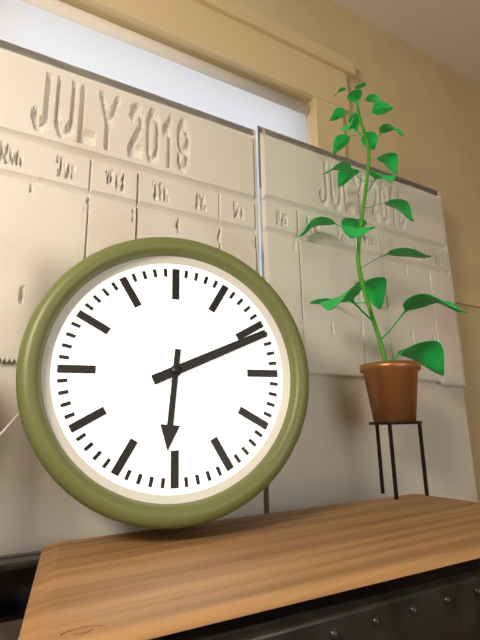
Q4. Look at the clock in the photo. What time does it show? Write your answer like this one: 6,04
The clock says 6,11
